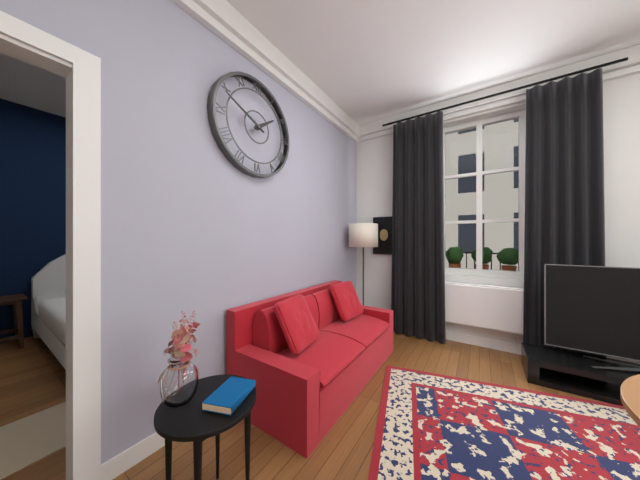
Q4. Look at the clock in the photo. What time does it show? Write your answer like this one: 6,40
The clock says 1,49
